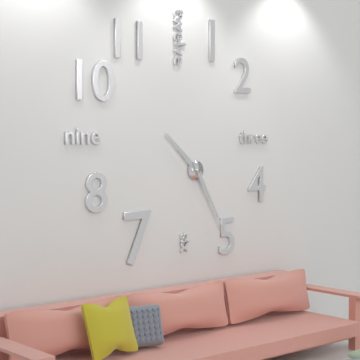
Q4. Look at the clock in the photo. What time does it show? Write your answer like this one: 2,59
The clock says 10,25
